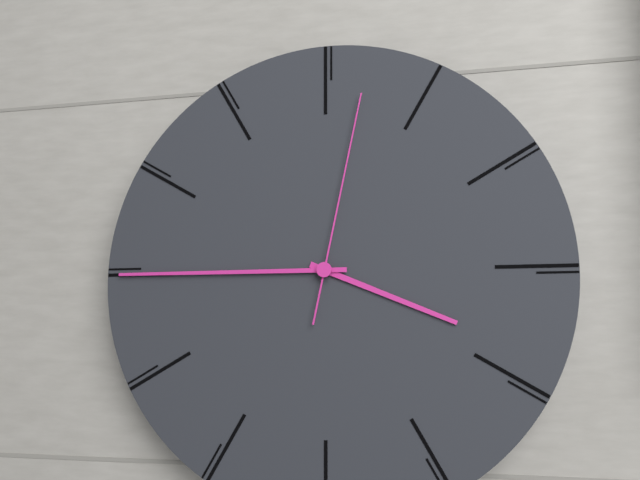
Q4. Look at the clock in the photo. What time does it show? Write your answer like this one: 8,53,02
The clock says 3,45,02
